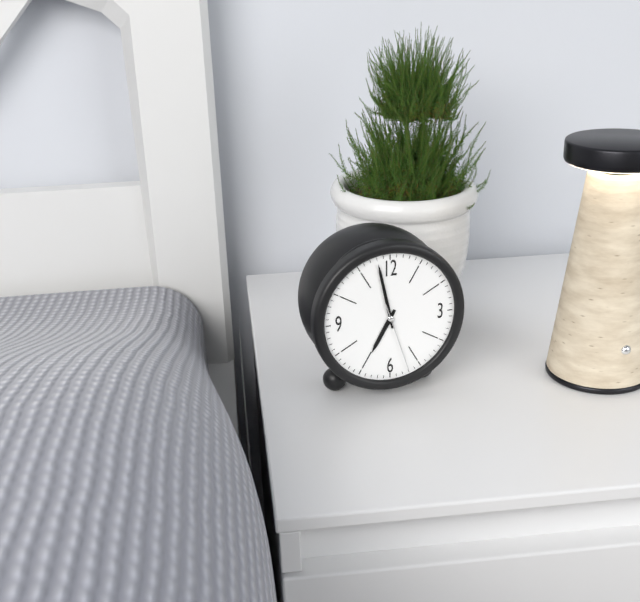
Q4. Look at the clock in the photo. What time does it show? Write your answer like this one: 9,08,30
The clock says 6,58,27
